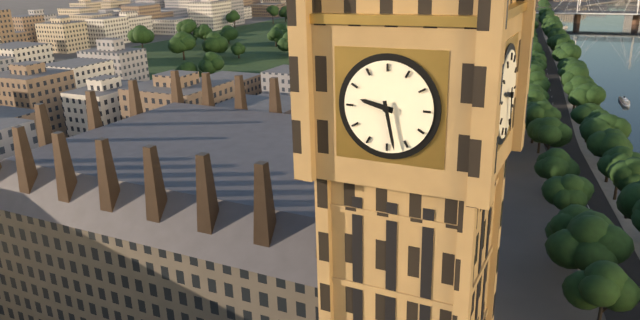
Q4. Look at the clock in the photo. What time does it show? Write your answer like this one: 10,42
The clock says 9,28
